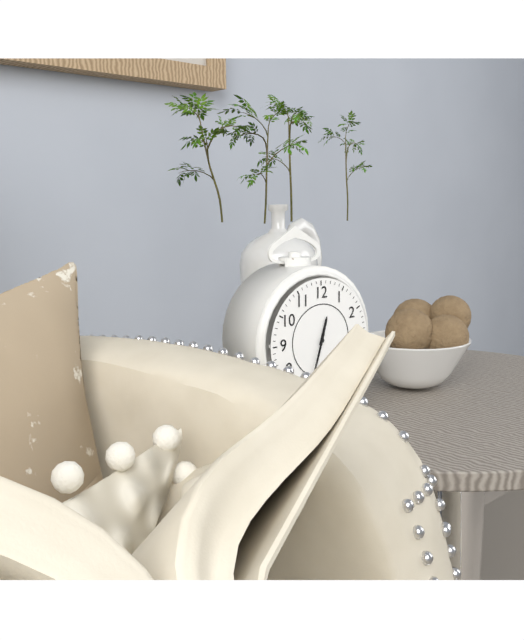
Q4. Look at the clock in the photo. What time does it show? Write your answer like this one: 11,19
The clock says 12,33
